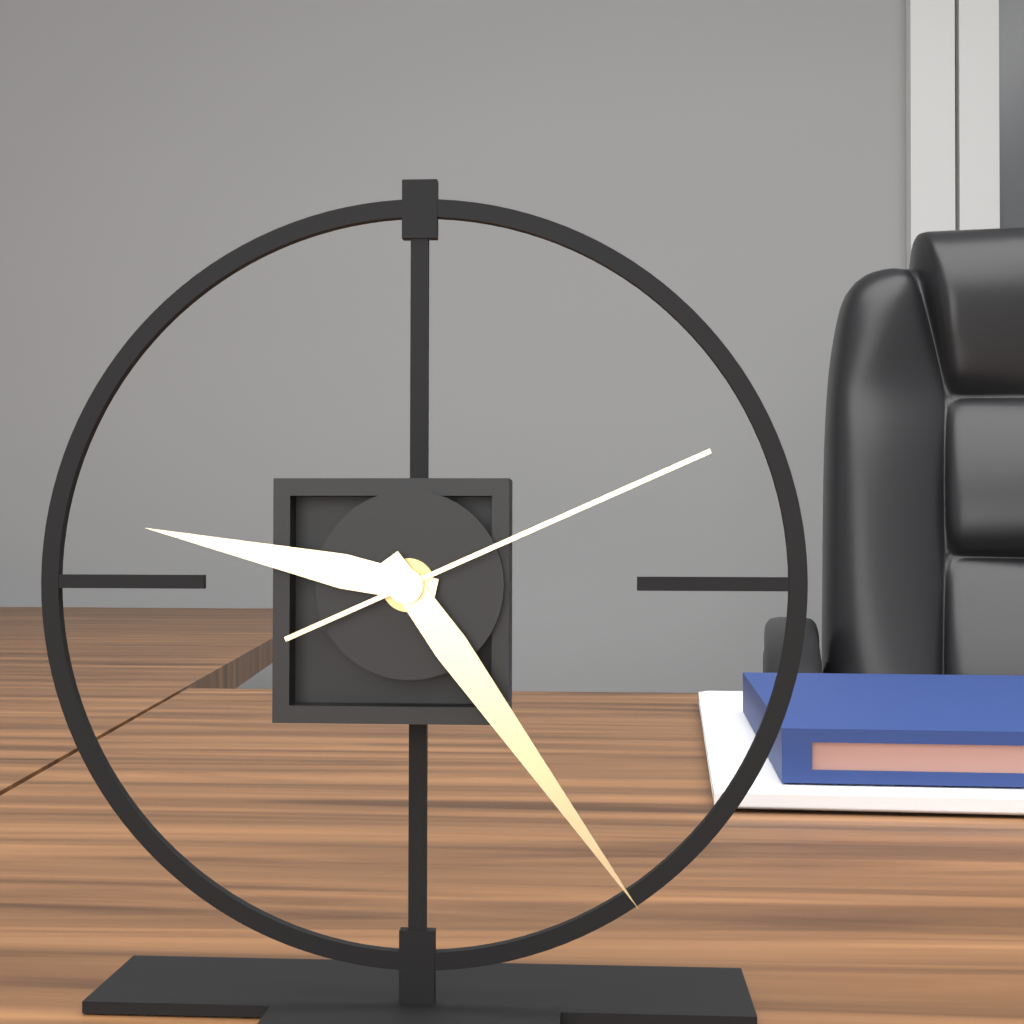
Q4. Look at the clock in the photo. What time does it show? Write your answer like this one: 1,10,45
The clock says 9,24,11
